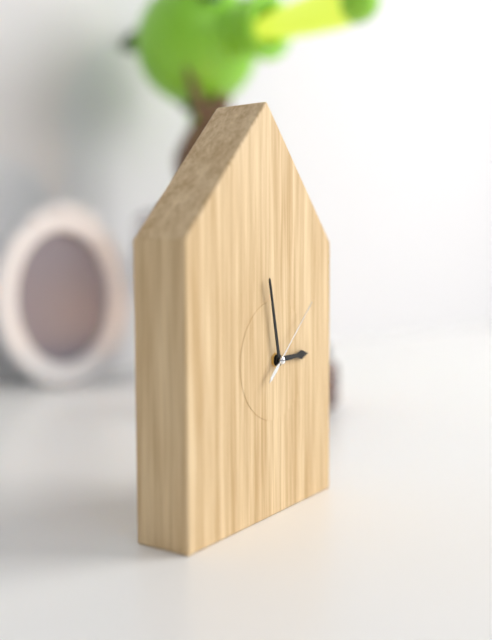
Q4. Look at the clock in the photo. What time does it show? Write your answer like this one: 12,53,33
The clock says 2,58,08
